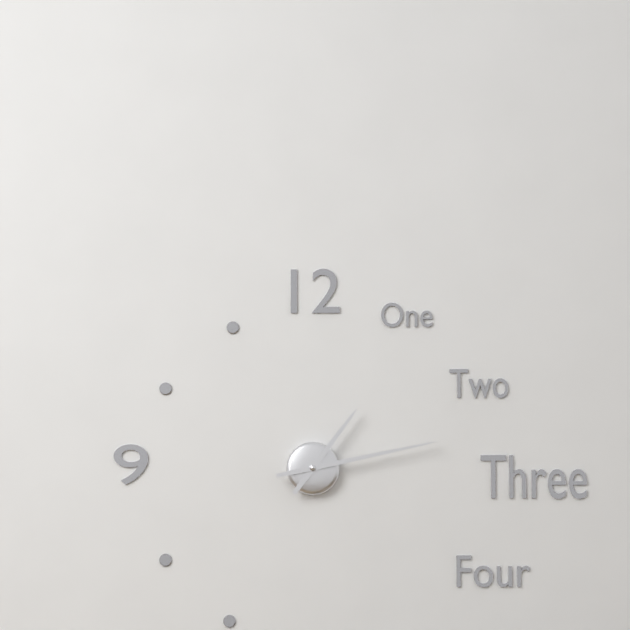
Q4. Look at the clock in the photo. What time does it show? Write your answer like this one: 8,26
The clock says 1,13
